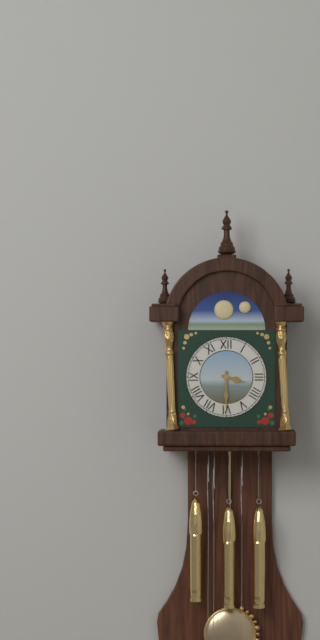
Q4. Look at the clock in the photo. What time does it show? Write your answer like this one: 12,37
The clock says 3,30
